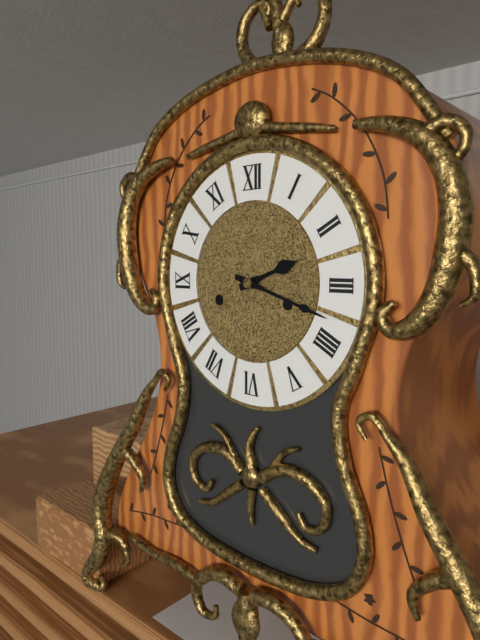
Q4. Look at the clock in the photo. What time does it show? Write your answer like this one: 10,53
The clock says 2,18
